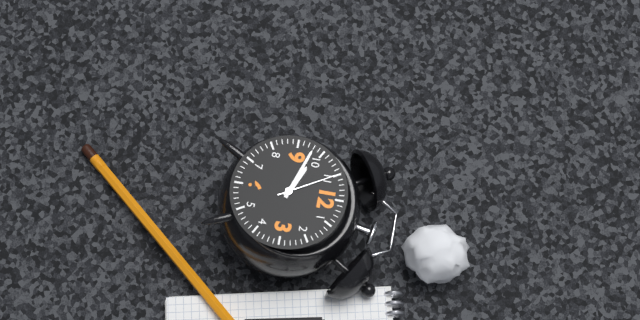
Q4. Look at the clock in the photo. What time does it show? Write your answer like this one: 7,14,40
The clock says 9,48,55
